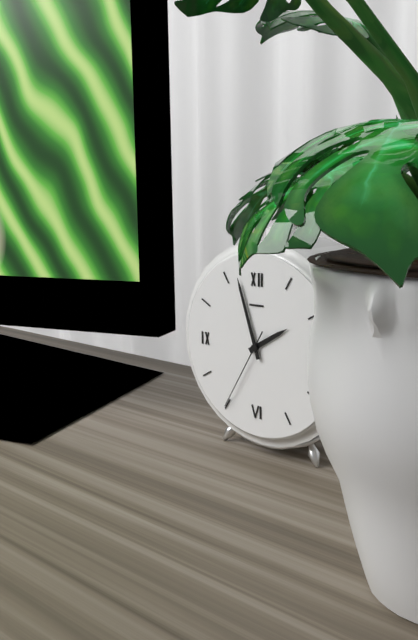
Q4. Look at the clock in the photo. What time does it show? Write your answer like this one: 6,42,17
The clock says 1,57,35
